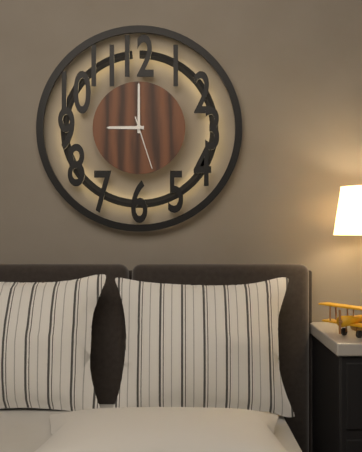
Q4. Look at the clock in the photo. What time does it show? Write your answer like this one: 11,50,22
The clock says 9,00,27
